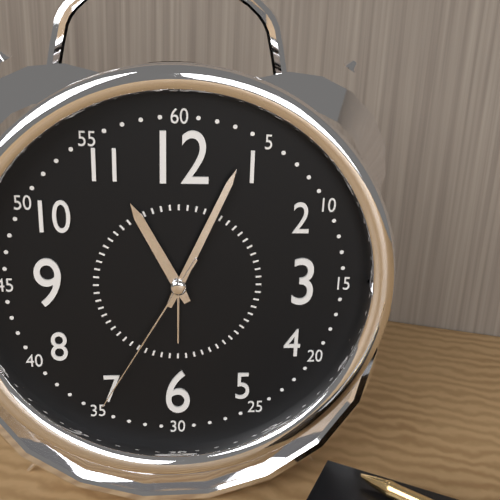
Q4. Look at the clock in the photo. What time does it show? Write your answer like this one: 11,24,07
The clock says 11,04,35
